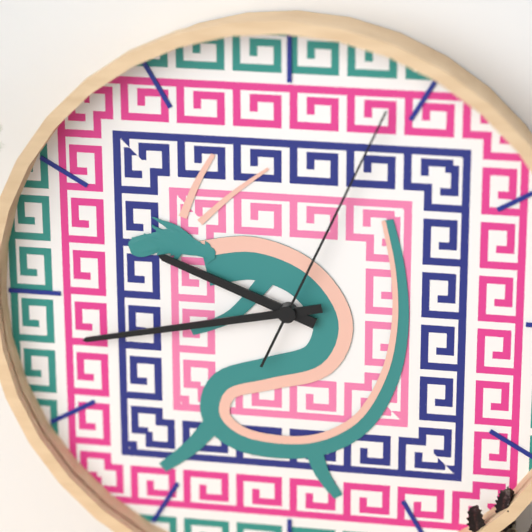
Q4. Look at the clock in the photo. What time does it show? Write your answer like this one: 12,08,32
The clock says 9,43,04
